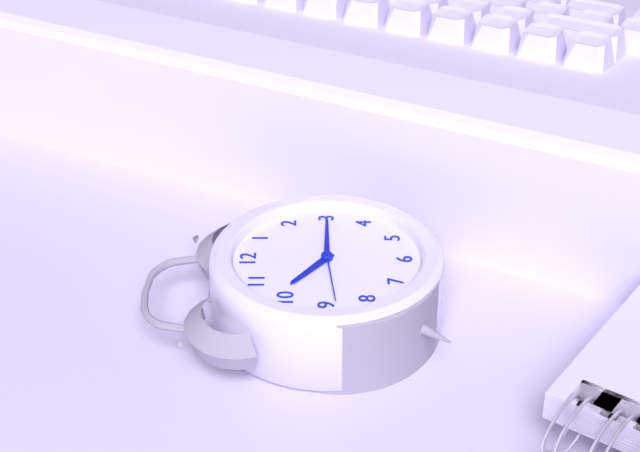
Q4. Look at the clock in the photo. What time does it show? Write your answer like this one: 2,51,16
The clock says 10,15,44
